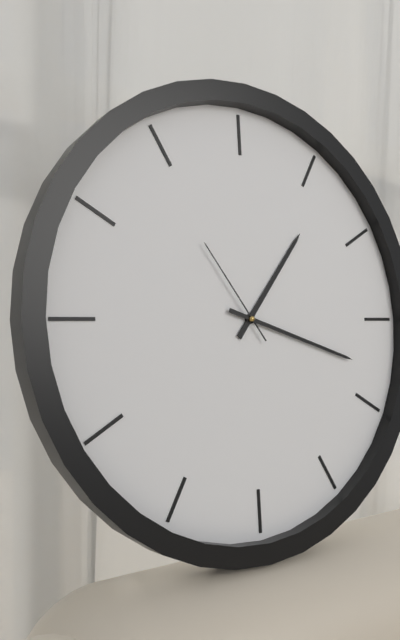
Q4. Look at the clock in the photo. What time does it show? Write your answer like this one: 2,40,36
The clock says 1,18,54
